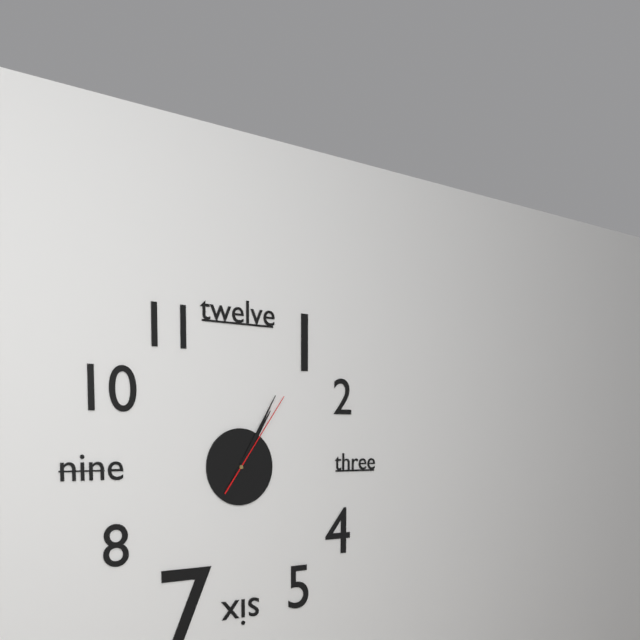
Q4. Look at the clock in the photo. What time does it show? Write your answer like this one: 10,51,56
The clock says 1,05,06
